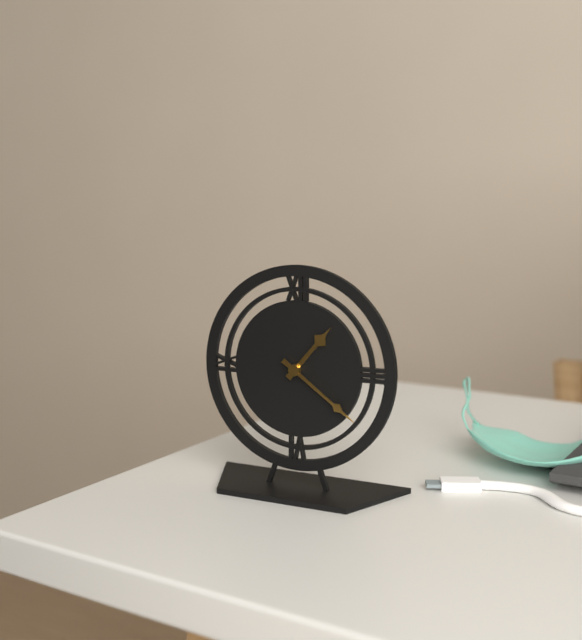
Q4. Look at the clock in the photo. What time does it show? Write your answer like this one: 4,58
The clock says 1,21
